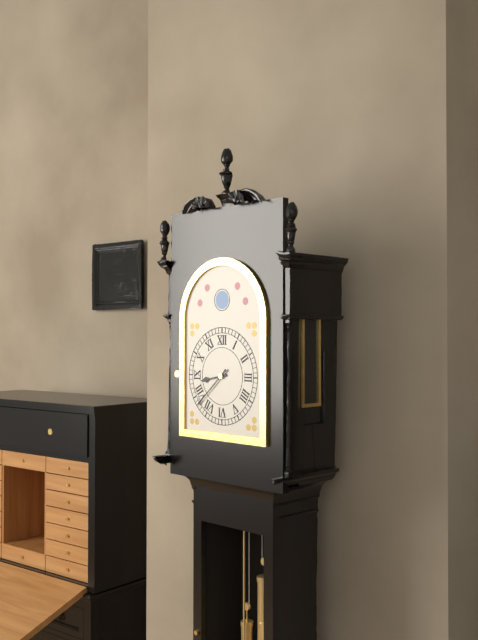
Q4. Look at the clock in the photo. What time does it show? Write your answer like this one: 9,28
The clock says 8,38
